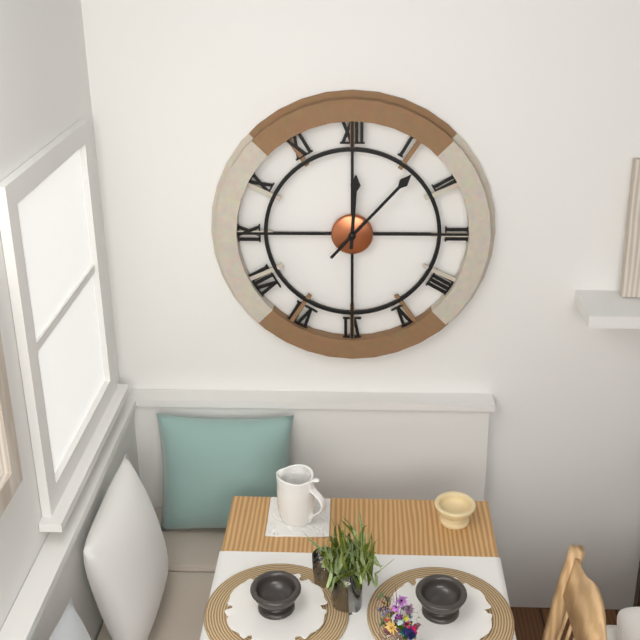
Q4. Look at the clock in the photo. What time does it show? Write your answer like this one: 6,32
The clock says 12,07
